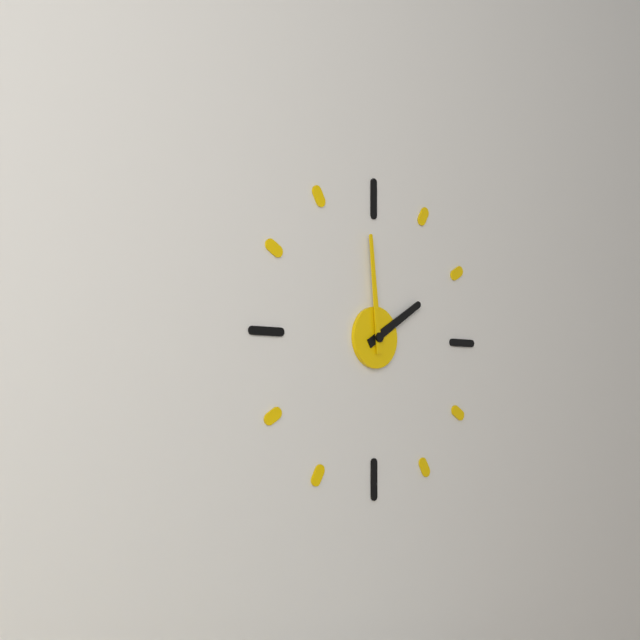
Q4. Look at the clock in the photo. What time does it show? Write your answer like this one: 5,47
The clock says 1,59
